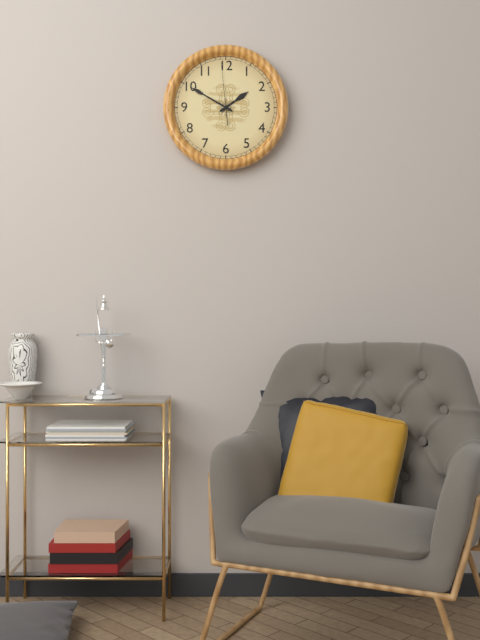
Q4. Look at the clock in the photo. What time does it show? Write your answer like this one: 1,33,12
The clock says 1,50,59
